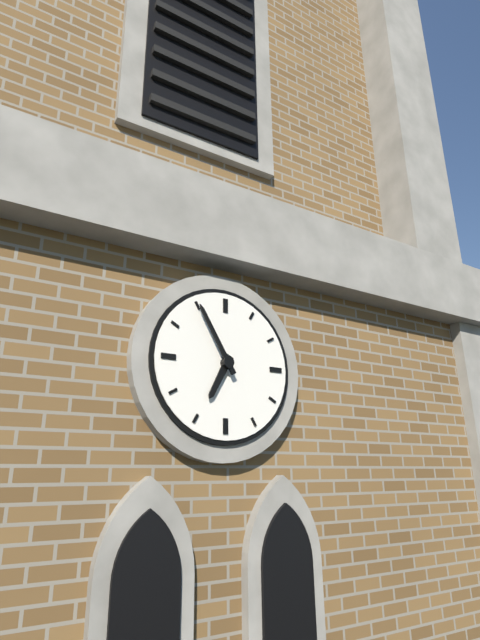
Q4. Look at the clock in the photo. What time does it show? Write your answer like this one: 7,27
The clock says 6,55
